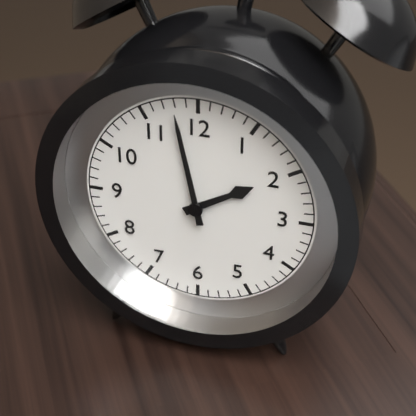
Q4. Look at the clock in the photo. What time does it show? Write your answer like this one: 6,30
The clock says 1,58
